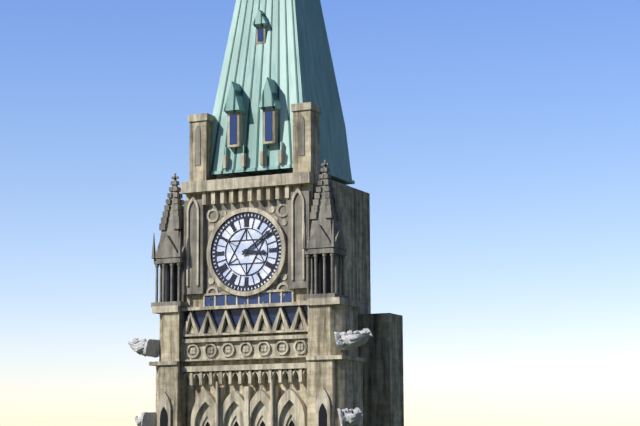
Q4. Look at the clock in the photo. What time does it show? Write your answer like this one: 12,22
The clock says 3,09
